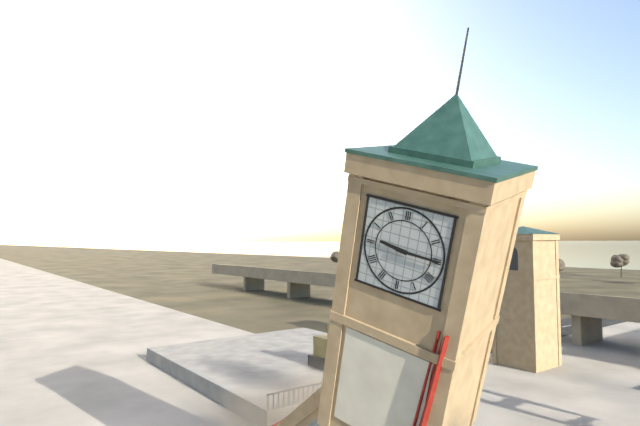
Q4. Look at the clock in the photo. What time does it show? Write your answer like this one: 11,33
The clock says 9,15
